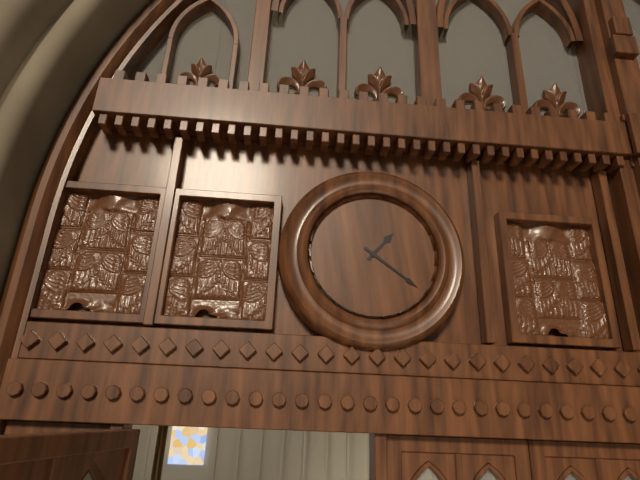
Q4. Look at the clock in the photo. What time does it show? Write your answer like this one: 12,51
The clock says 1,21
